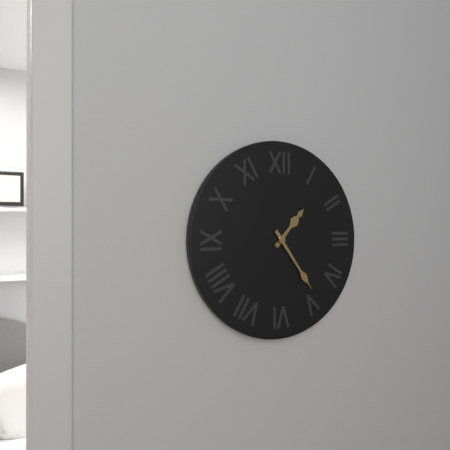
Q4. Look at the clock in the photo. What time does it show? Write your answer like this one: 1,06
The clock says 1,24
